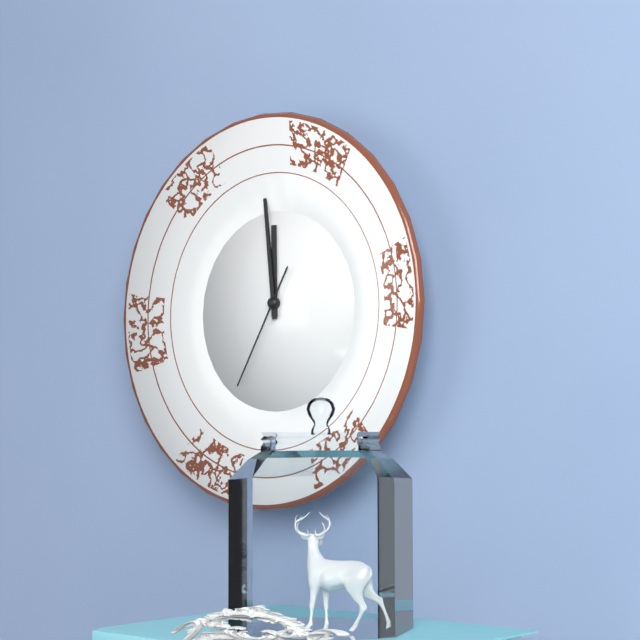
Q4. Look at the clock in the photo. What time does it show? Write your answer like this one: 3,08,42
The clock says 11,59,35
